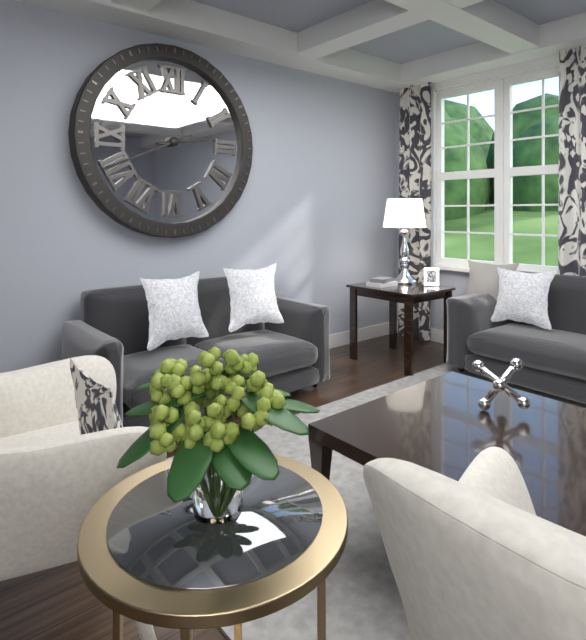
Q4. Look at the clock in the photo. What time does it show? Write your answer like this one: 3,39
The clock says 2,41
